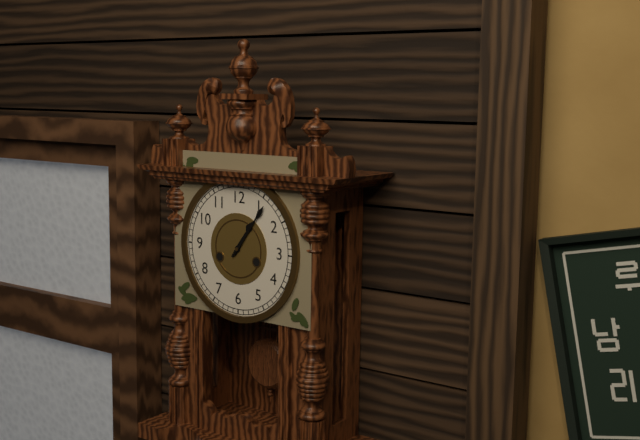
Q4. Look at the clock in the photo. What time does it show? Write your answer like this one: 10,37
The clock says 1,06
